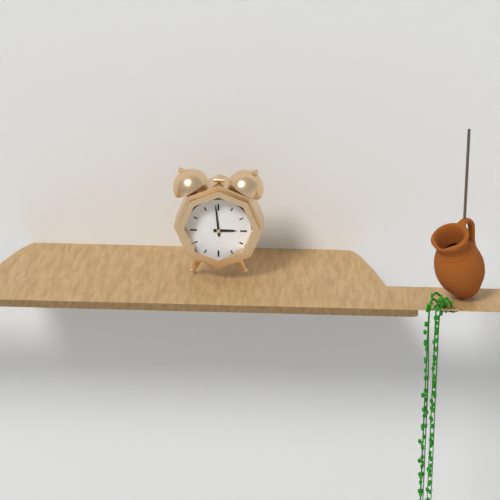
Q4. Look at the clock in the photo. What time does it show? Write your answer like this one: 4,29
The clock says 2,59
